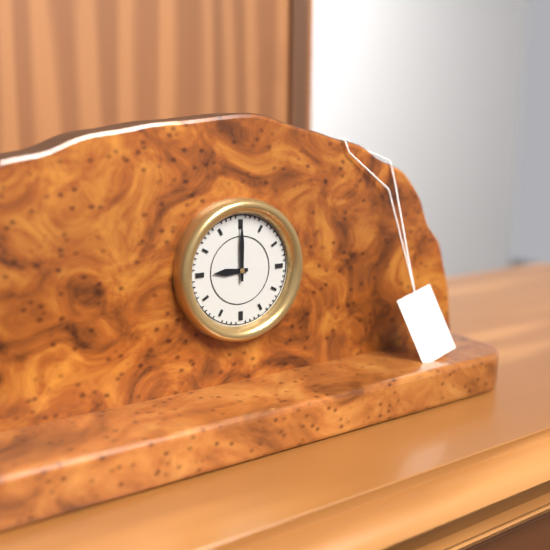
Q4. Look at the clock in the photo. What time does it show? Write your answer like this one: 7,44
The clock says 9,00
